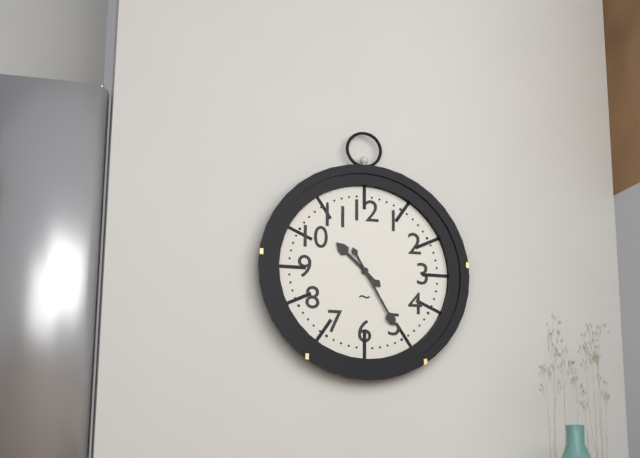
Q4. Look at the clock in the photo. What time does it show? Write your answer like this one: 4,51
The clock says 10,25
